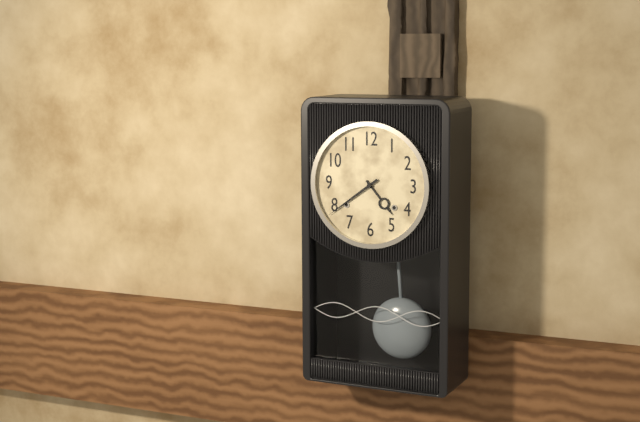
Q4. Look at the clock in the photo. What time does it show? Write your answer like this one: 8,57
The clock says 4,39
